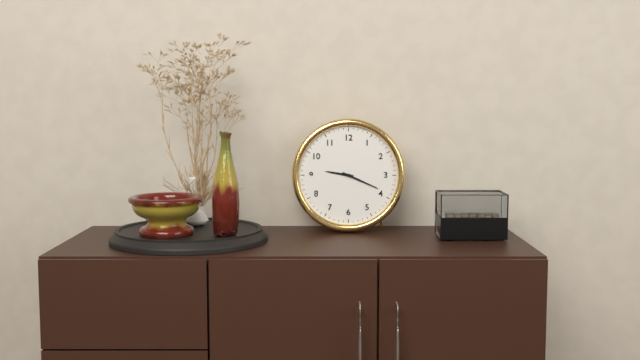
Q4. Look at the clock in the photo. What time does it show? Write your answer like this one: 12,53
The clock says 9,19
